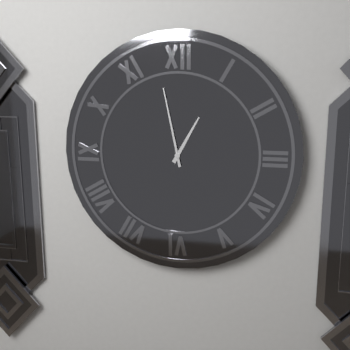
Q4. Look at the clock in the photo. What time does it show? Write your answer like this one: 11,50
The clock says 12,58
